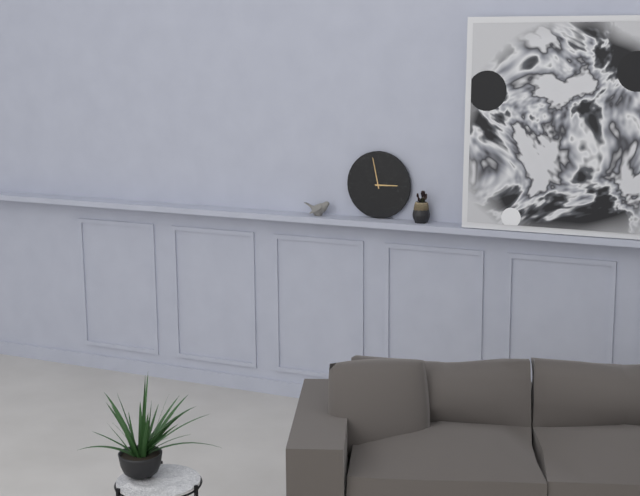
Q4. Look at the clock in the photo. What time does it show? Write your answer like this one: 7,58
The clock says 2,58
